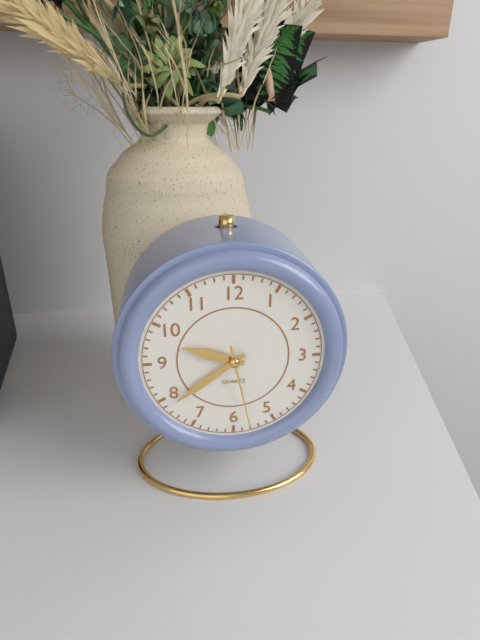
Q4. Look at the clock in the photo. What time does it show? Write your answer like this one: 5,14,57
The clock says 9,39,28
